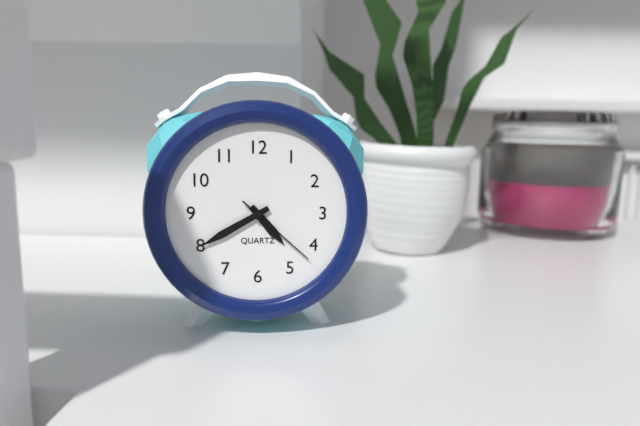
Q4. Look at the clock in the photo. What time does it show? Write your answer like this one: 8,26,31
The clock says 4,40,22
